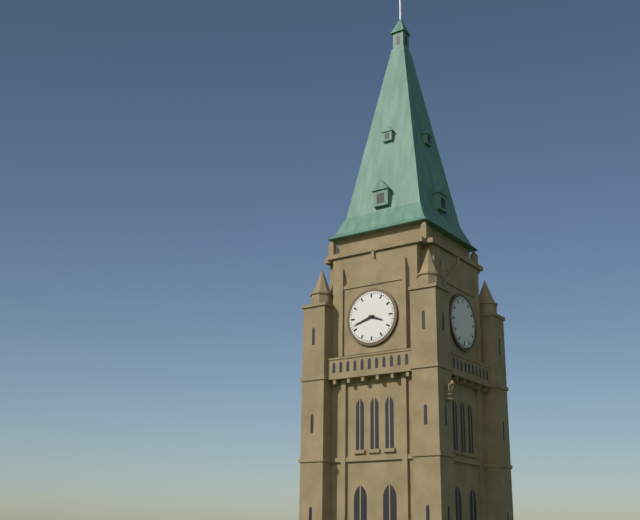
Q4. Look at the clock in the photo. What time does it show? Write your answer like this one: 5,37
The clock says 3,42
